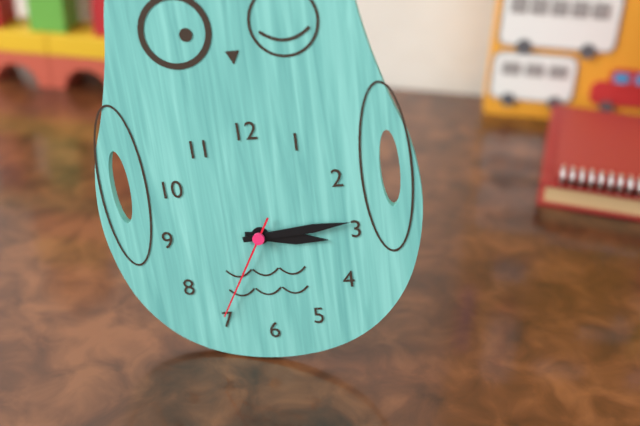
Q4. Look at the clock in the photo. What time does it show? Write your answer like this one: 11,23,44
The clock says 3,14,35
